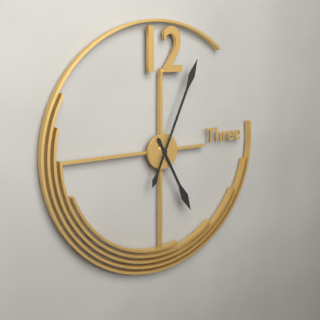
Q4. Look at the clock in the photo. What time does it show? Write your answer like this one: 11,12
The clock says 5,04
